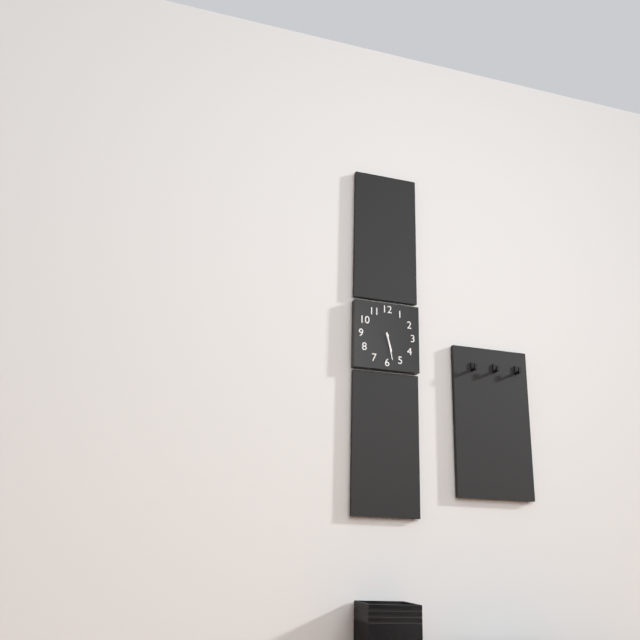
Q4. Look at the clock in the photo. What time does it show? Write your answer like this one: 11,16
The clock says 5,28
